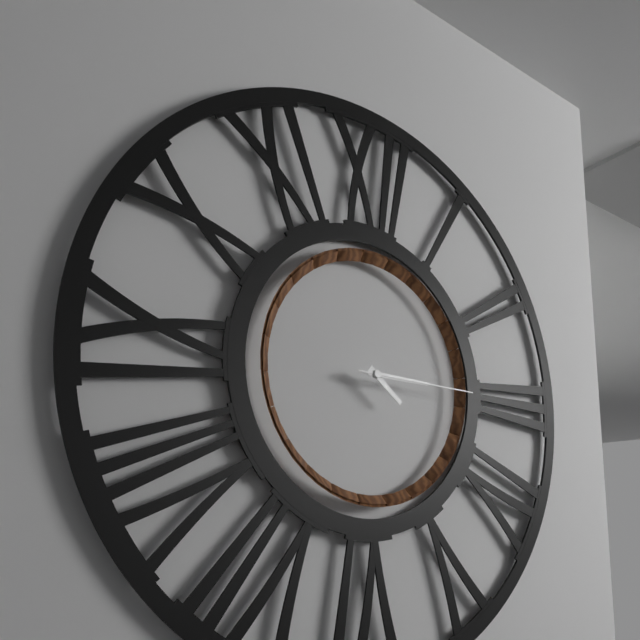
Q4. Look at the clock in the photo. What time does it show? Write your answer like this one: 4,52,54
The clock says 4,15,15
